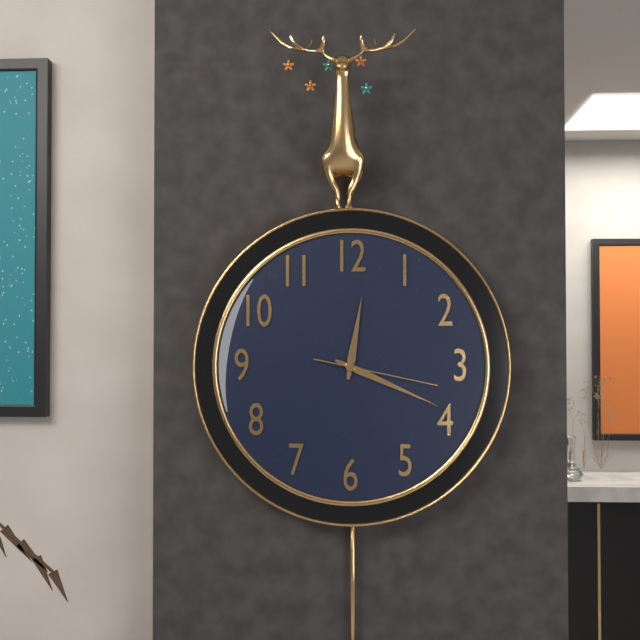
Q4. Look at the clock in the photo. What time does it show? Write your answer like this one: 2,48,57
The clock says 12,19,17
